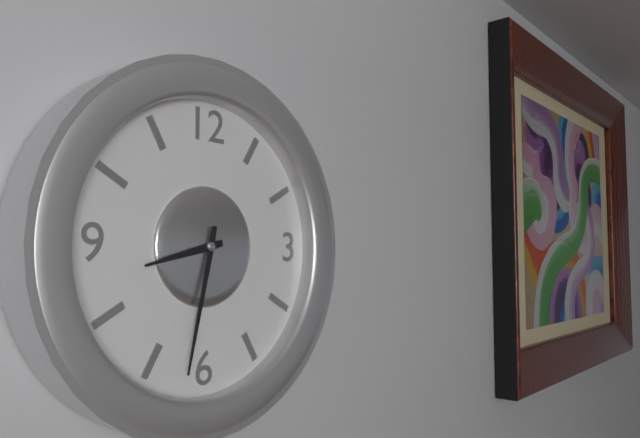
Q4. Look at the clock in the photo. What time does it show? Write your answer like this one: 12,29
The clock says 8,32
